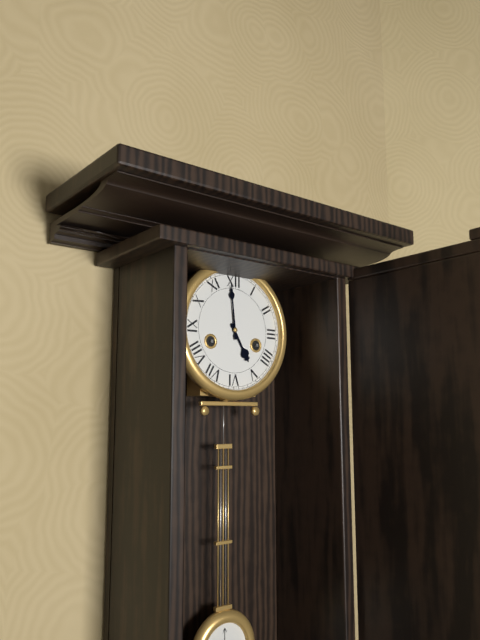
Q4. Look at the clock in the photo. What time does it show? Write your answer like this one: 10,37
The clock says 4,59
